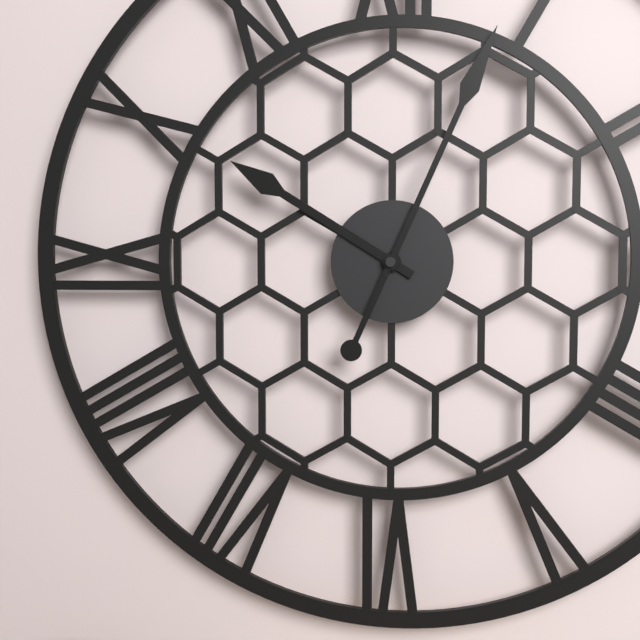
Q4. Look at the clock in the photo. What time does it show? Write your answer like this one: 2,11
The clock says 10,04
